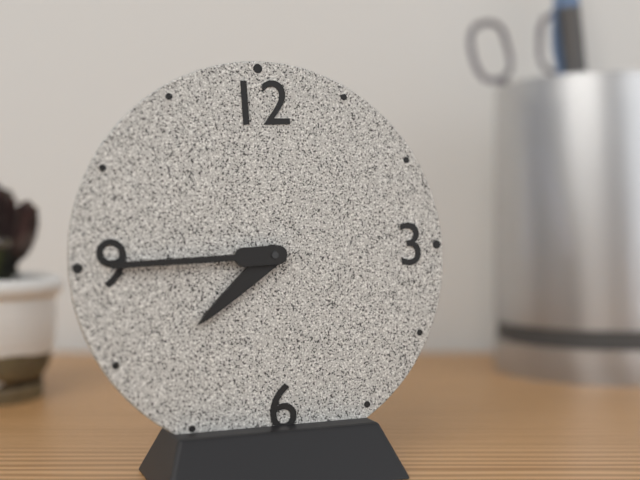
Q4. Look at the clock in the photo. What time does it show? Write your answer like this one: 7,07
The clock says 7,45
